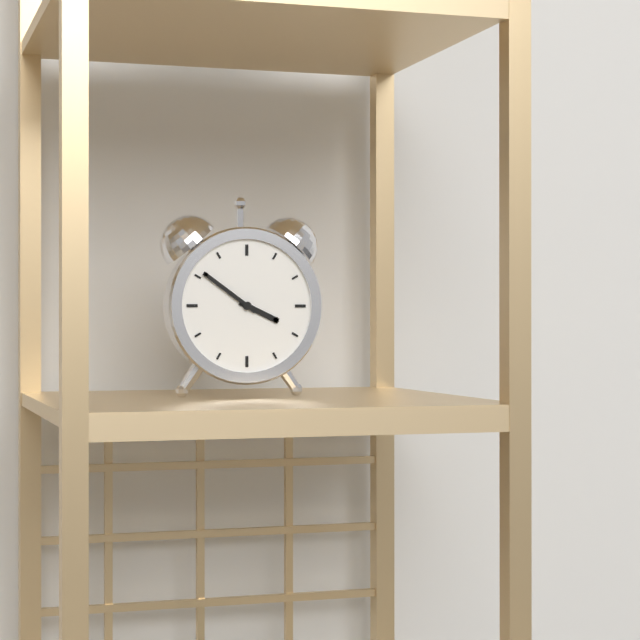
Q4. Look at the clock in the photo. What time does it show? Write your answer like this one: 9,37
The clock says 3,51
